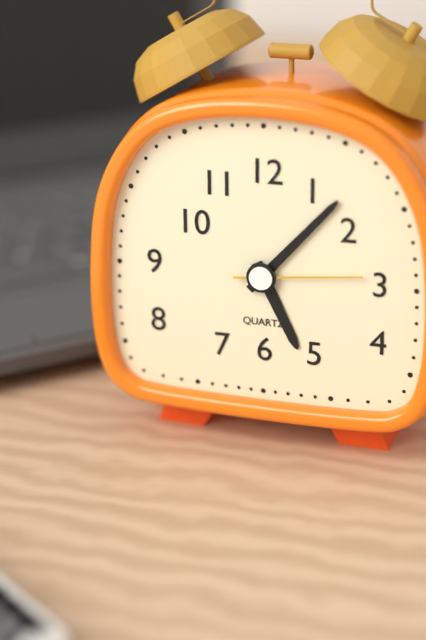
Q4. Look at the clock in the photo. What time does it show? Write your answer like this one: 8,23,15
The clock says 5,07,14
